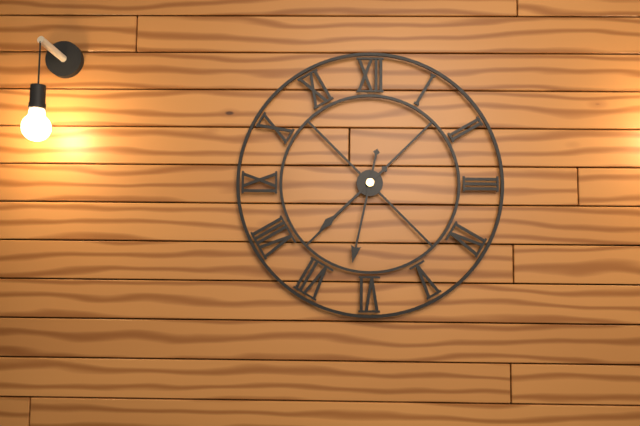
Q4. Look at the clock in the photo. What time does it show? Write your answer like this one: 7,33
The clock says 7,32
